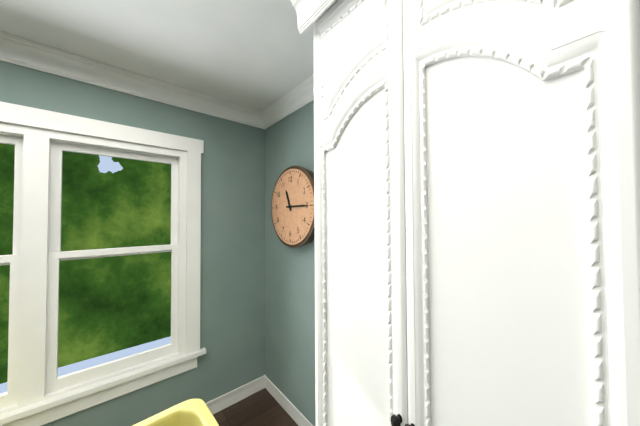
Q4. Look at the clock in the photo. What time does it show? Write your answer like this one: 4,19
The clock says 11,15
